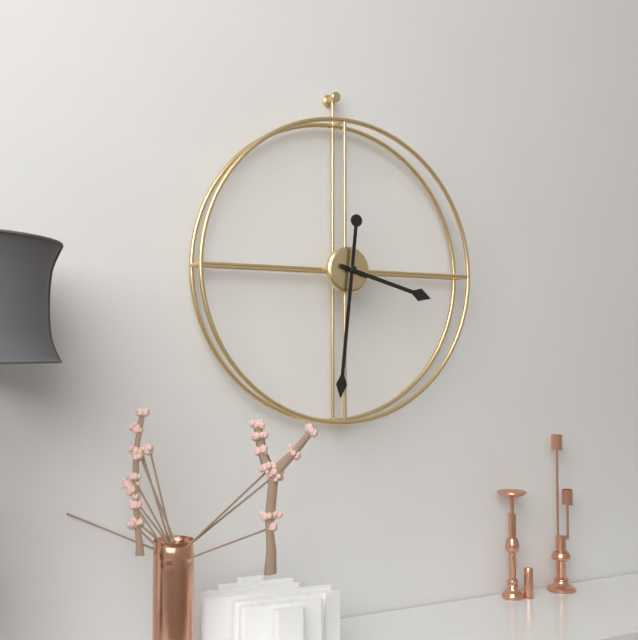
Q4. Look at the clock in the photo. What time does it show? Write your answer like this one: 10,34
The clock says 3,31
